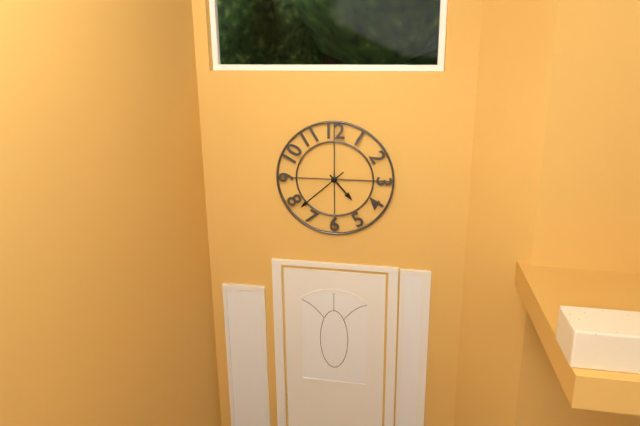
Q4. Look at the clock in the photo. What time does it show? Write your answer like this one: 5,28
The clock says 4,38
